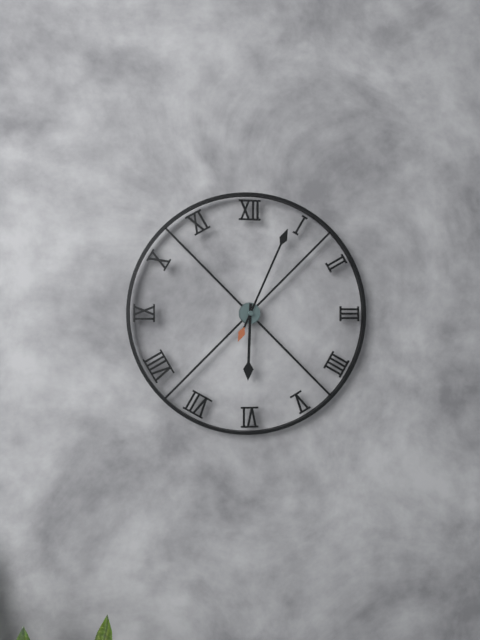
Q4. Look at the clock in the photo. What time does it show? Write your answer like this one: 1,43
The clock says 6,04
